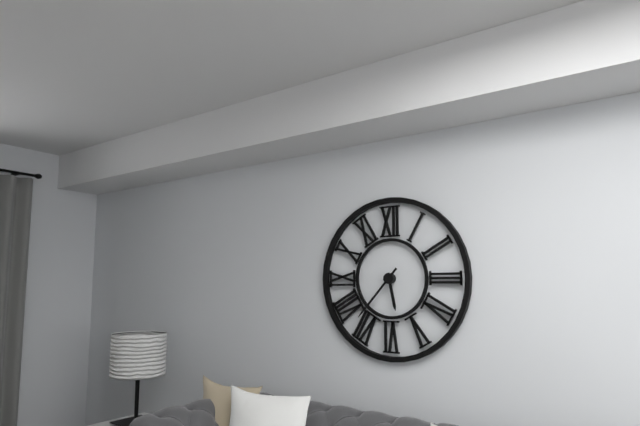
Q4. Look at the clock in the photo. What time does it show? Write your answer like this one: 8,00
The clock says 5,37
